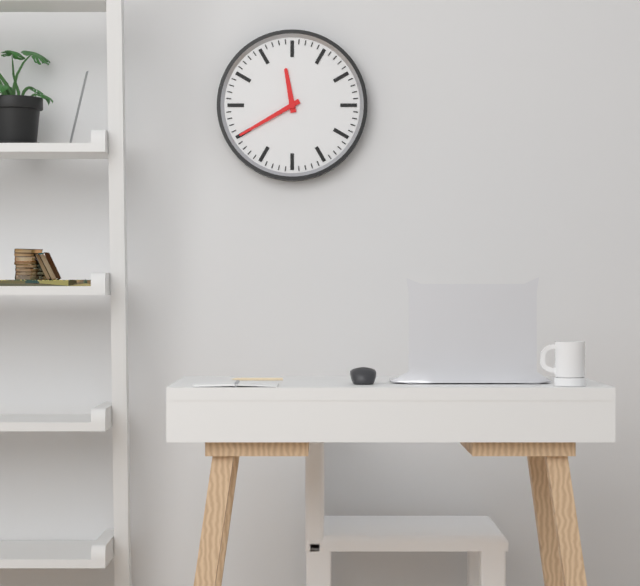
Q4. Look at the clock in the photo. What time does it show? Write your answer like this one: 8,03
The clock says 11,40
